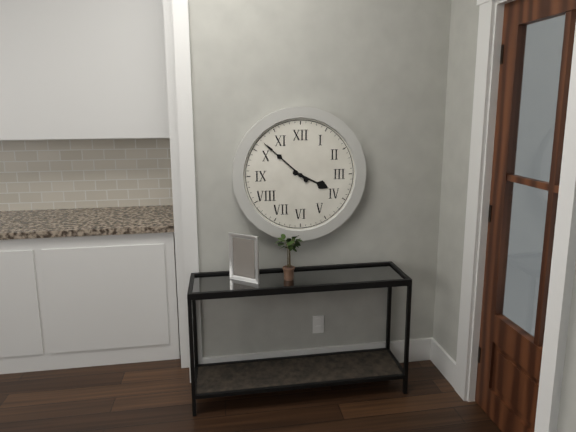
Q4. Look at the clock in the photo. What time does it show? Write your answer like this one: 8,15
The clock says 3,52
